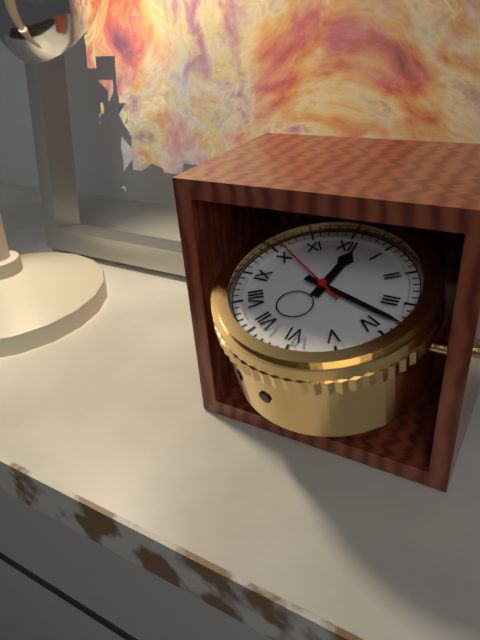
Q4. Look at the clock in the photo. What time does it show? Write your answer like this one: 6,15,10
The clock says 12,18,51
